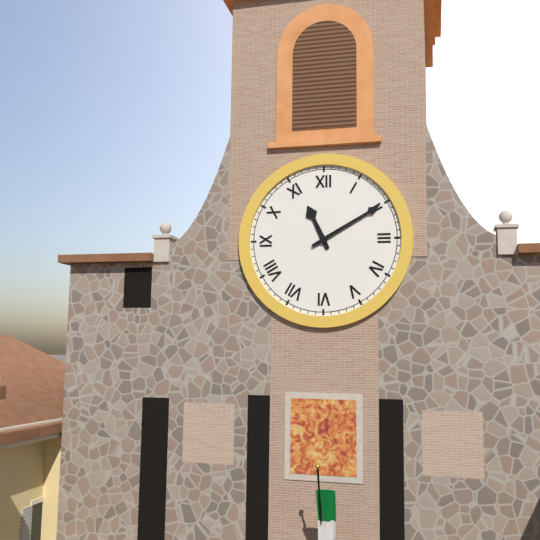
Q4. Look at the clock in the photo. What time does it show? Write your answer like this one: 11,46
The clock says 11,10
